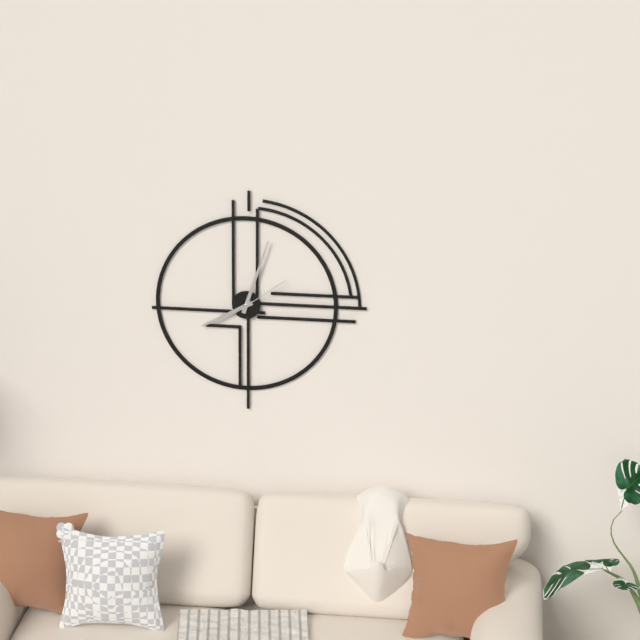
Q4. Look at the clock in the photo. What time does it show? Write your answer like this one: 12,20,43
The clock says 8,03,09
